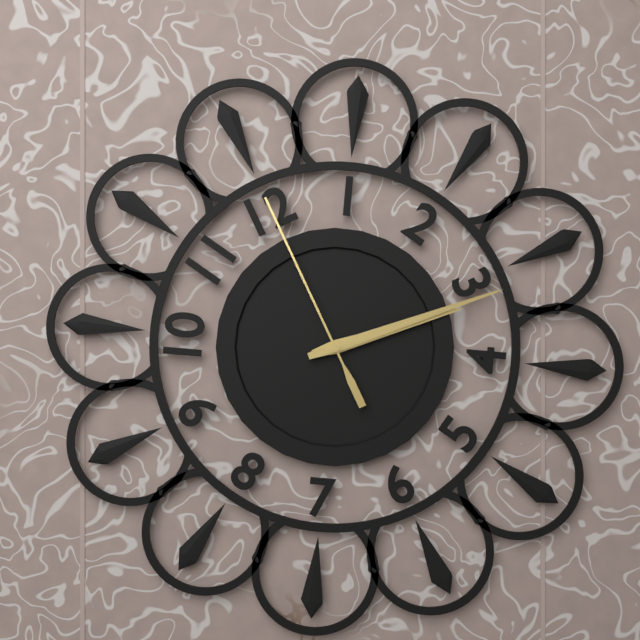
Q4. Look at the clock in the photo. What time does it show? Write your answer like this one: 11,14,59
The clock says 3,16,00
